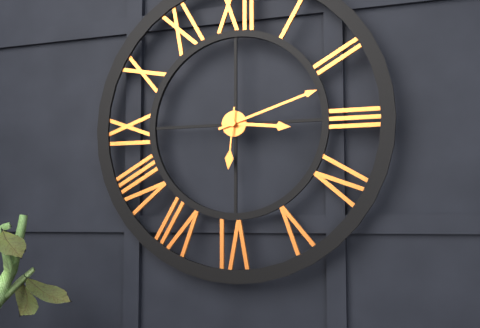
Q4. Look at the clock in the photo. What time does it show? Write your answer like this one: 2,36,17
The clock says 3,12,31
